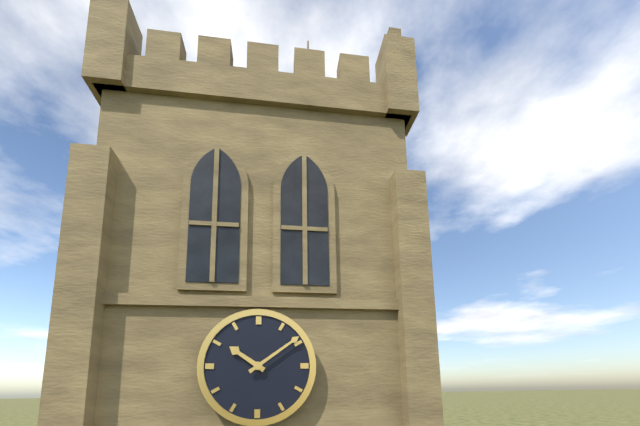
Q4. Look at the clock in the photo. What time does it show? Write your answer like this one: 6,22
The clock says 10,09
